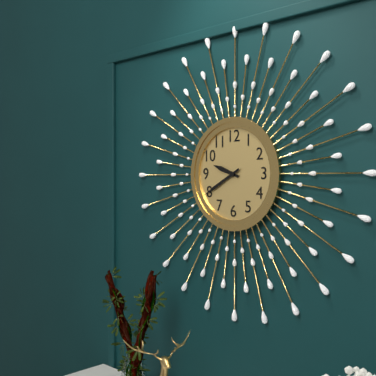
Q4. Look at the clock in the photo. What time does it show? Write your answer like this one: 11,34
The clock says 9,40
